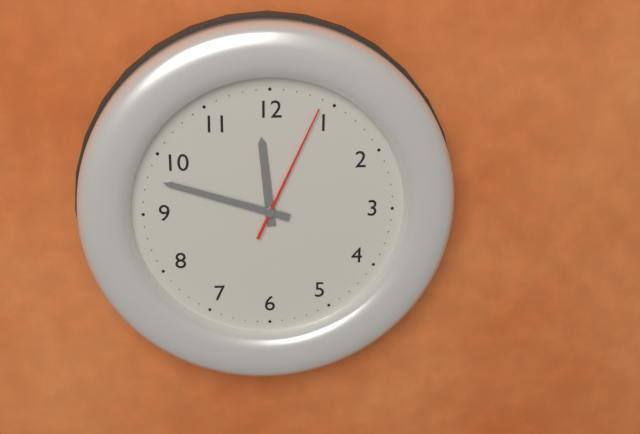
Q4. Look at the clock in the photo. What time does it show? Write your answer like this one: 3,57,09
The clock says 11,48,04
